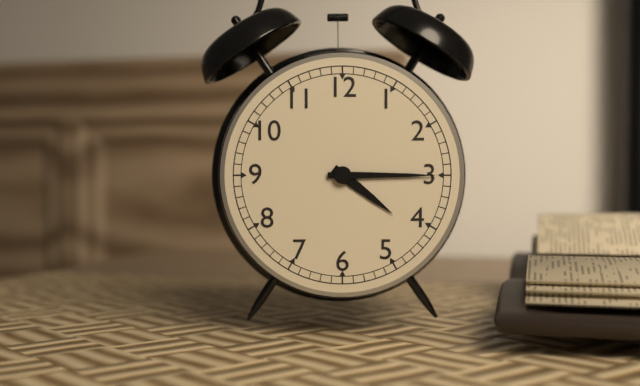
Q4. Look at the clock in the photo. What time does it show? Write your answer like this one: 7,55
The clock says 4,15
